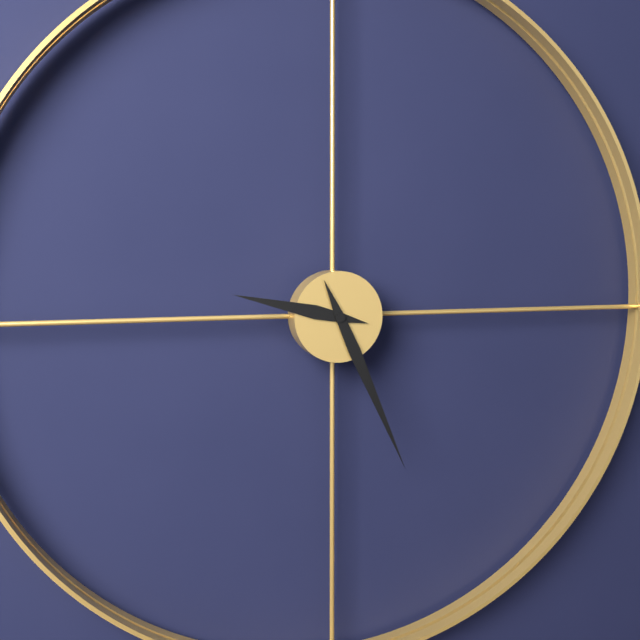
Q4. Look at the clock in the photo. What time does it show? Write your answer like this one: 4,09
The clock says 9,26
